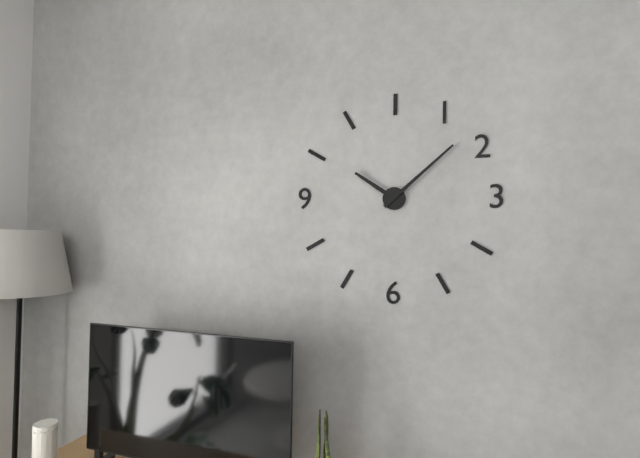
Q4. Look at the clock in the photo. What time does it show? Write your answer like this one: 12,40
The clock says 10,08
